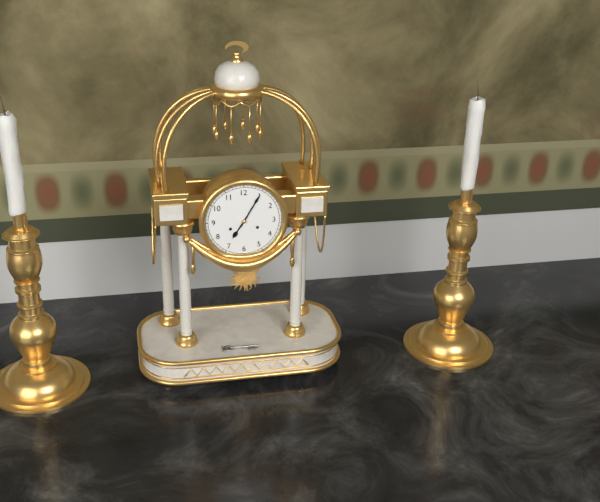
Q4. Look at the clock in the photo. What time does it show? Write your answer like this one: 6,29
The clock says 7,05
